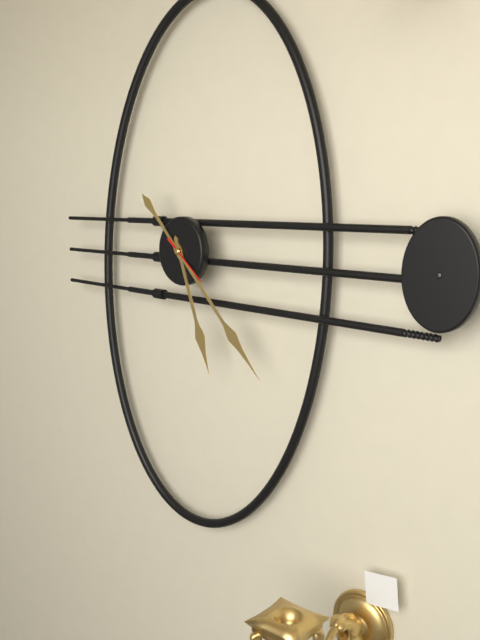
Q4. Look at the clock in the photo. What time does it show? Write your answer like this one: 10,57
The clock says 5,23
